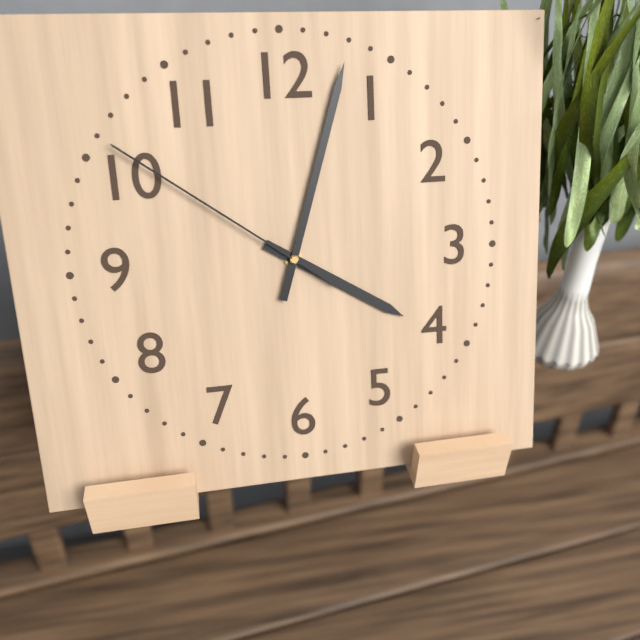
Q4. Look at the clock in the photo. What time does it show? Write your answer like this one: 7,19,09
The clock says 4,03,51
